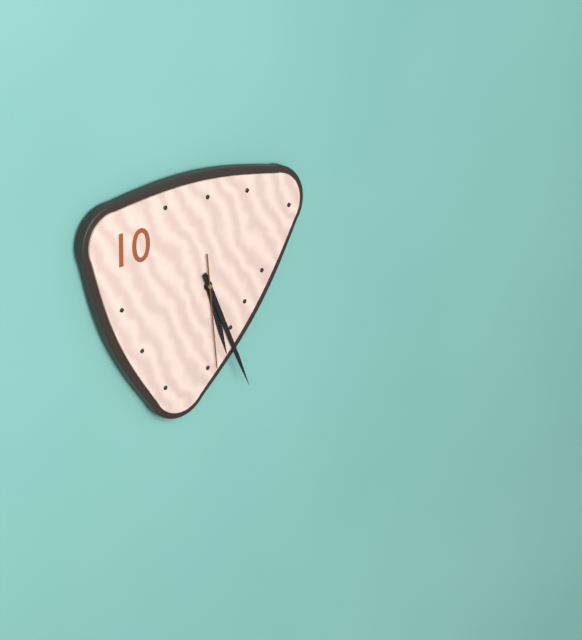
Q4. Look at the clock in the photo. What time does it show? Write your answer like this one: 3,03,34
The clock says 5,26,29
